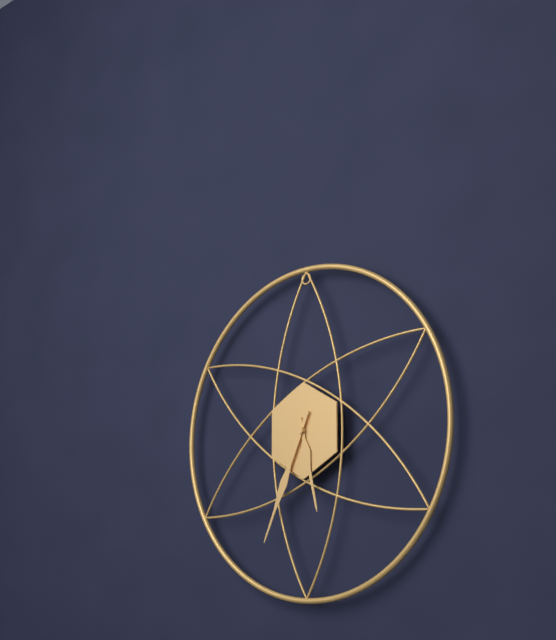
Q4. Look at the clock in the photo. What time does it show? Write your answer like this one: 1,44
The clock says 5,34
